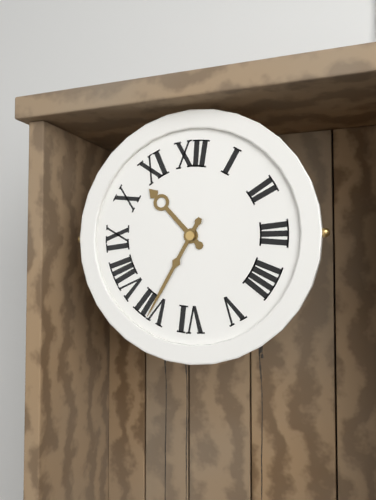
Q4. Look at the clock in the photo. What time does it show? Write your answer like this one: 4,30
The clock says 10,35
